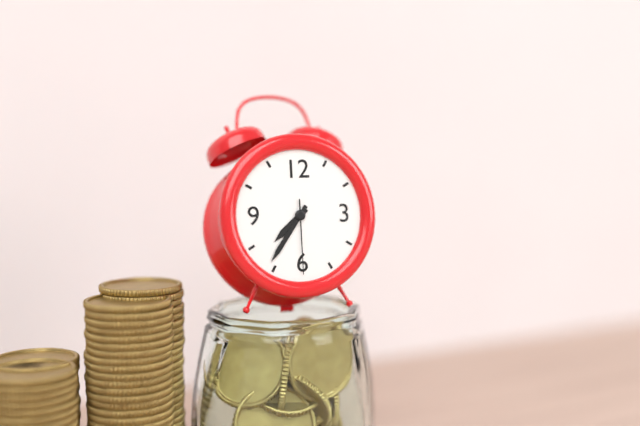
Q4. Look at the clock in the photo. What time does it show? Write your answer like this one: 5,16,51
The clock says 7,36,30
